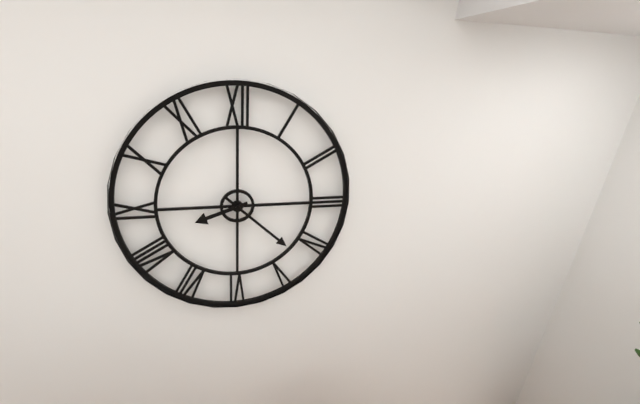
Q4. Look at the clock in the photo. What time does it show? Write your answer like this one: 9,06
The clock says 8,22
